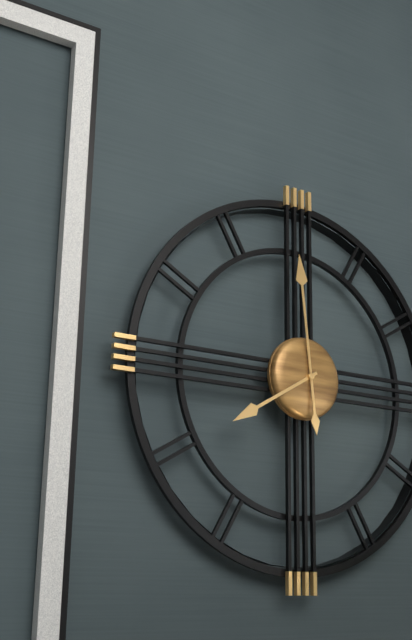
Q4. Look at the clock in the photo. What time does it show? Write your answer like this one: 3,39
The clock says 7,59
